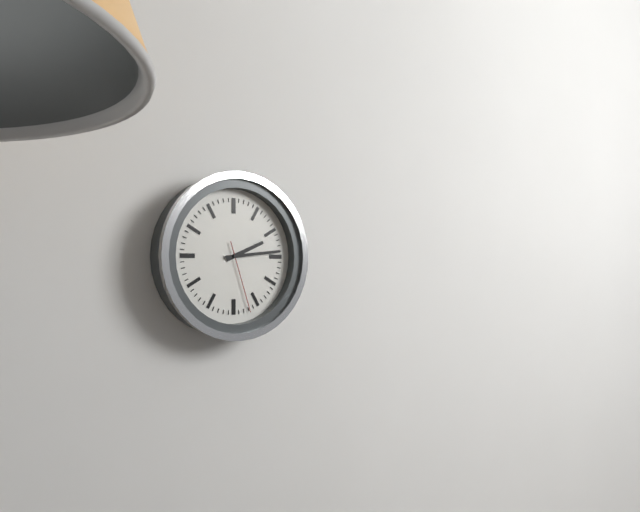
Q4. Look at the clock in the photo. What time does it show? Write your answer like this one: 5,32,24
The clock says 2,14,27
